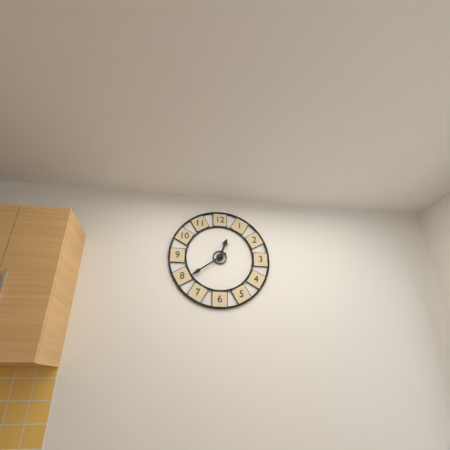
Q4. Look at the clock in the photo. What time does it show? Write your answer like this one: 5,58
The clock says 12,39
